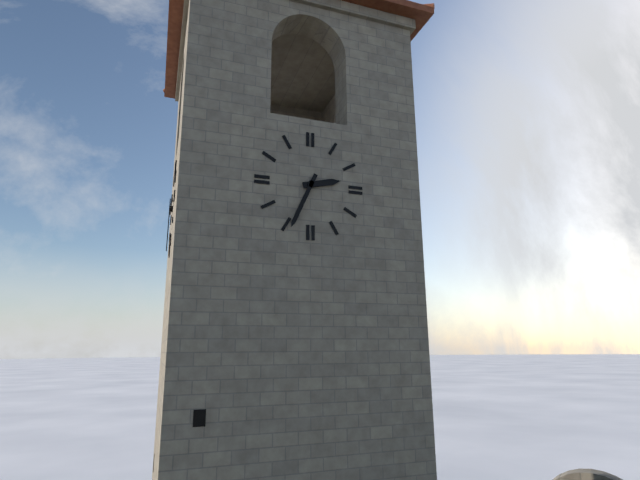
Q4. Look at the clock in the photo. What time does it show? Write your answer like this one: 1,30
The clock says 2,34
